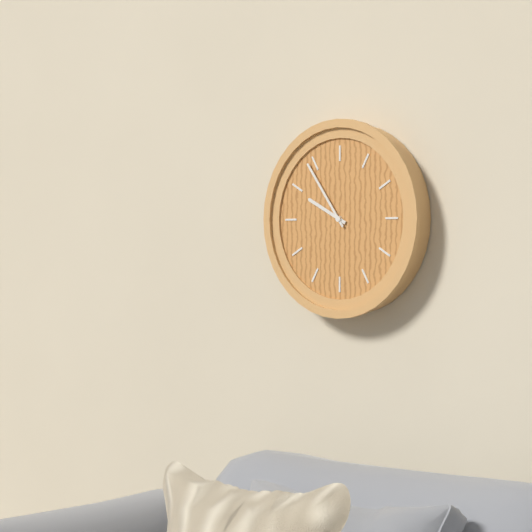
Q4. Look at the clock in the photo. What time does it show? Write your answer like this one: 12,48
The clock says 9,54
